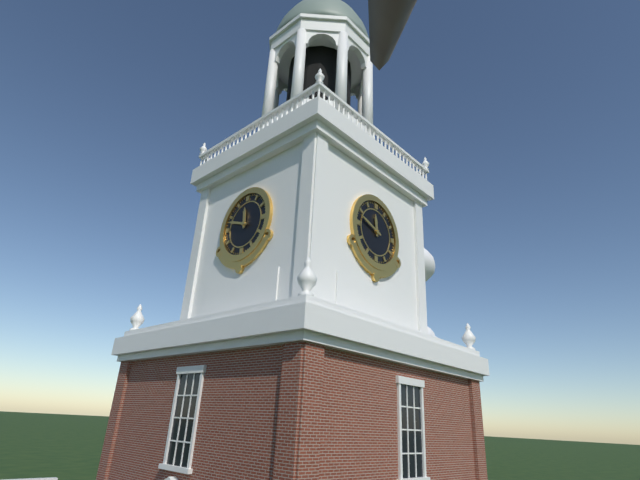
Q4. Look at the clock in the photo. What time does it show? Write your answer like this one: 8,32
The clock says 11,48
